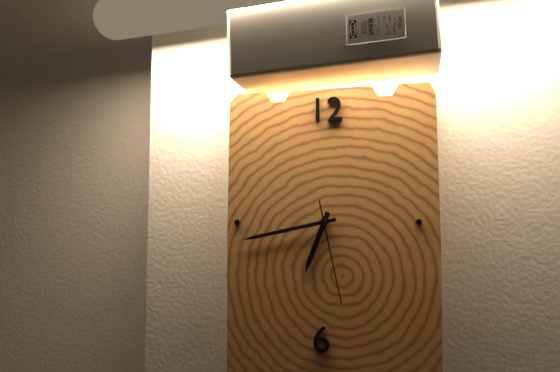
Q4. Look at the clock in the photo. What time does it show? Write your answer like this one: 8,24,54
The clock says 6,43,28
